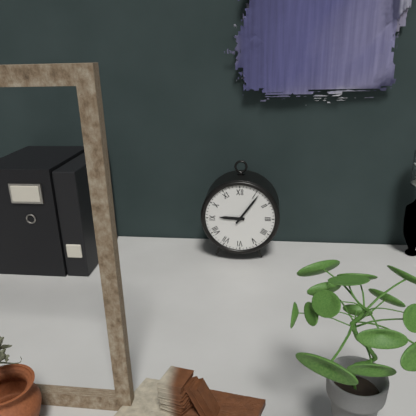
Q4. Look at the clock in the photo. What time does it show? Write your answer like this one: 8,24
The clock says 9,06
